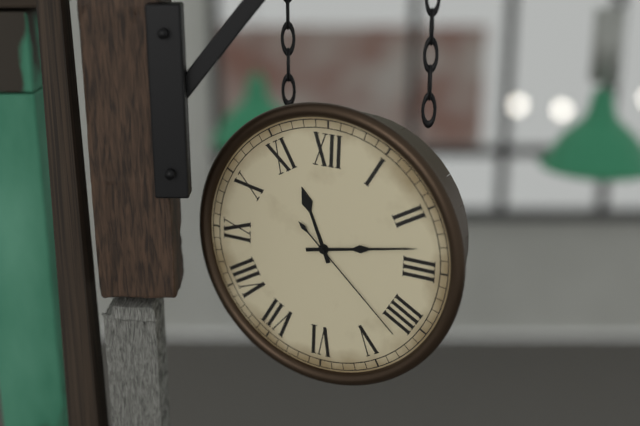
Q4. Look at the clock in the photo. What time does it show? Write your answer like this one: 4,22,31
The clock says 11,13,22
